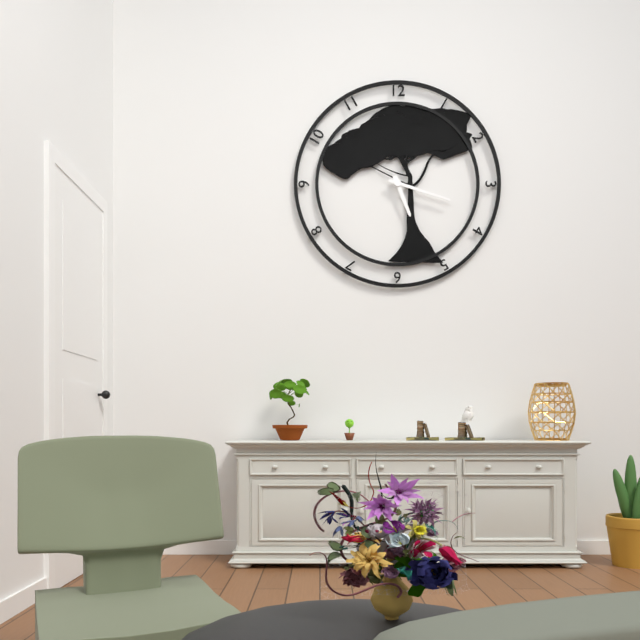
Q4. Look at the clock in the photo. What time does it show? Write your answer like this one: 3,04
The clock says 5,18
